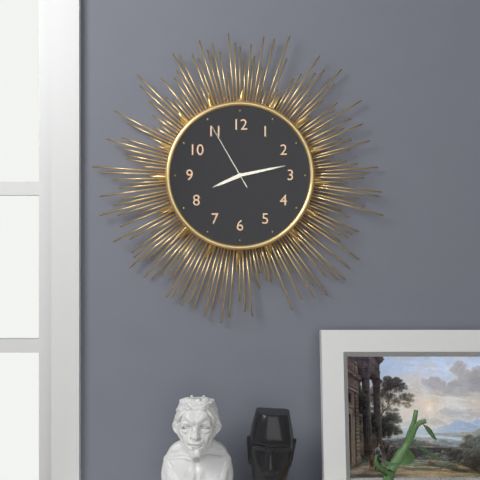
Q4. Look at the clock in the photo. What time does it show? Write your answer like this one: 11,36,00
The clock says 8,13,55
